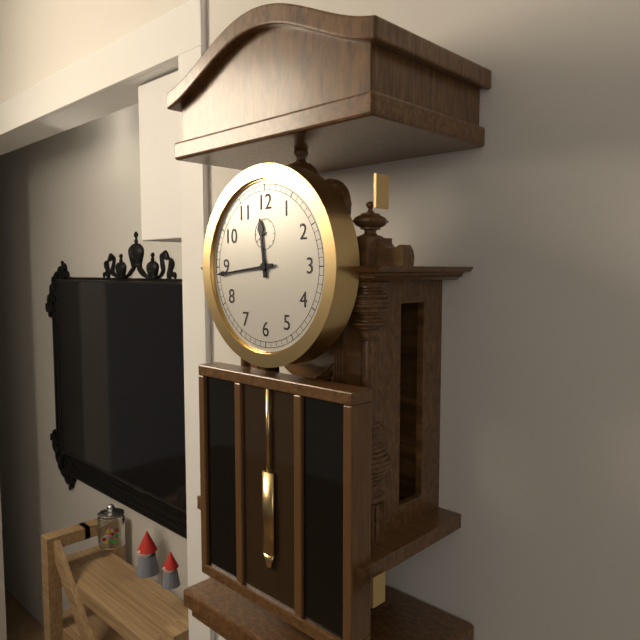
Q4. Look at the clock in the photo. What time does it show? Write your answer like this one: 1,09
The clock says 11,44
